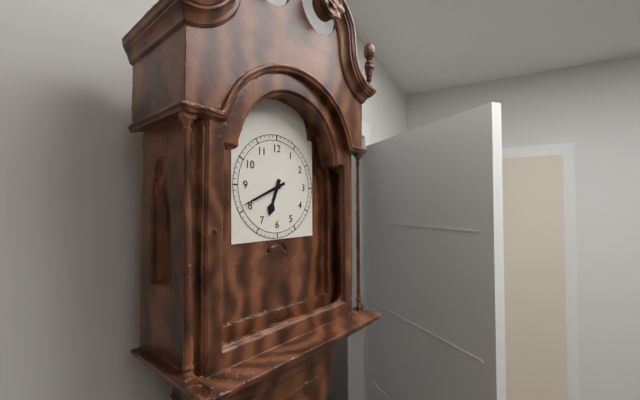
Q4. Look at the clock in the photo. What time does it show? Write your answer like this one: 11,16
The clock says 6,41
